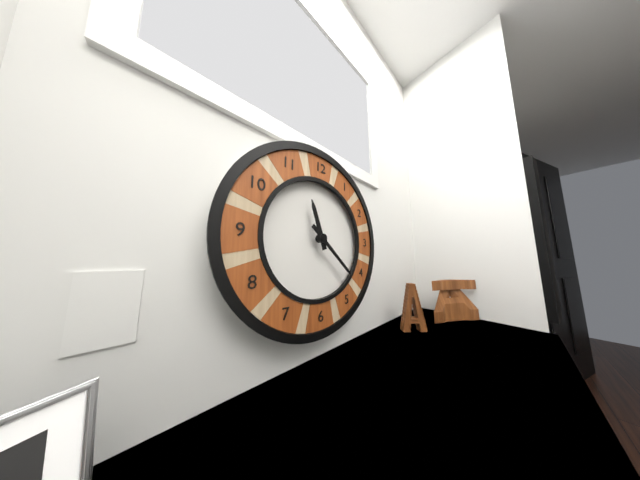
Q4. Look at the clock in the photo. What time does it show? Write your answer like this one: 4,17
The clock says 11,22
